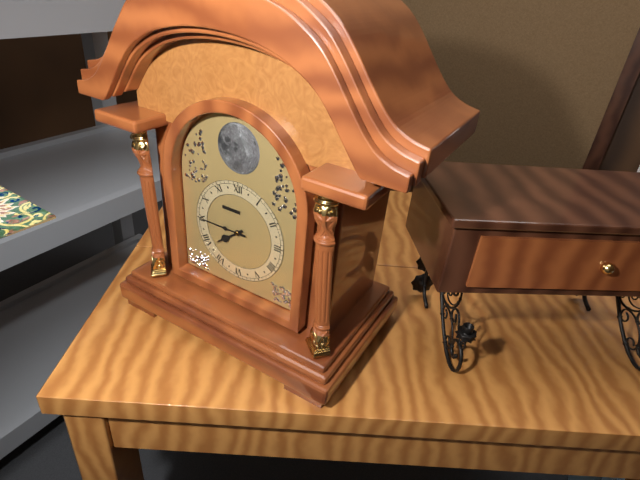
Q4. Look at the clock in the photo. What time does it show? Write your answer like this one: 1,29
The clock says 7,45
